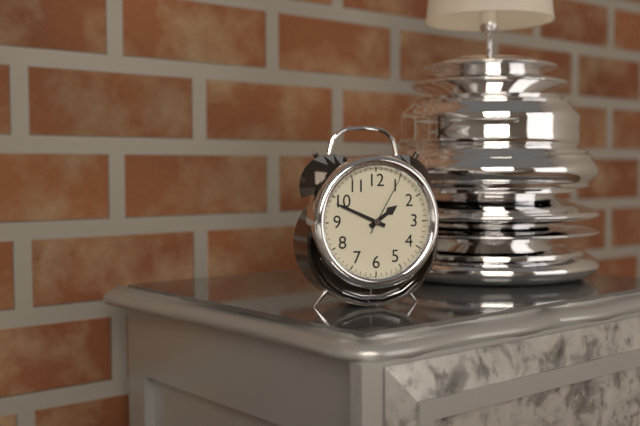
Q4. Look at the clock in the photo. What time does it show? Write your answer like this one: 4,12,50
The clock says 1,49,05
